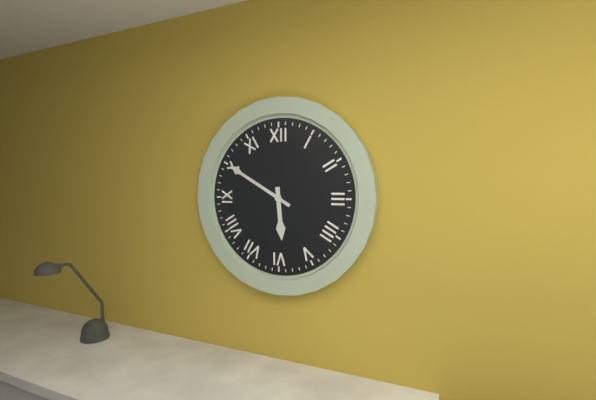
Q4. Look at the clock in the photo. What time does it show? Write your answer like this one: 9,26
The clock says 5,50
